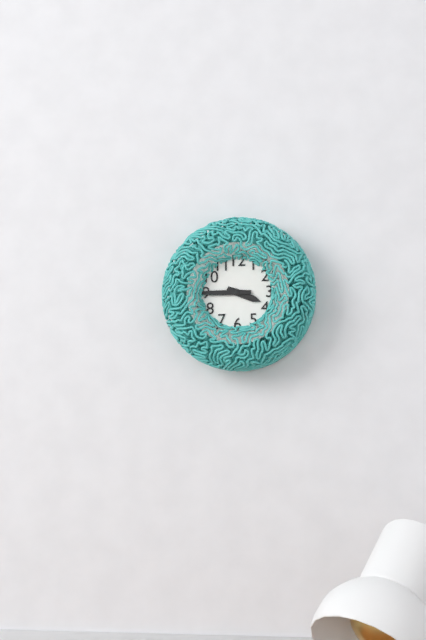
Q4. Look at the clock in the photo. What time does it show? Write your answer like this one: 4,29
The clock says 3,45
